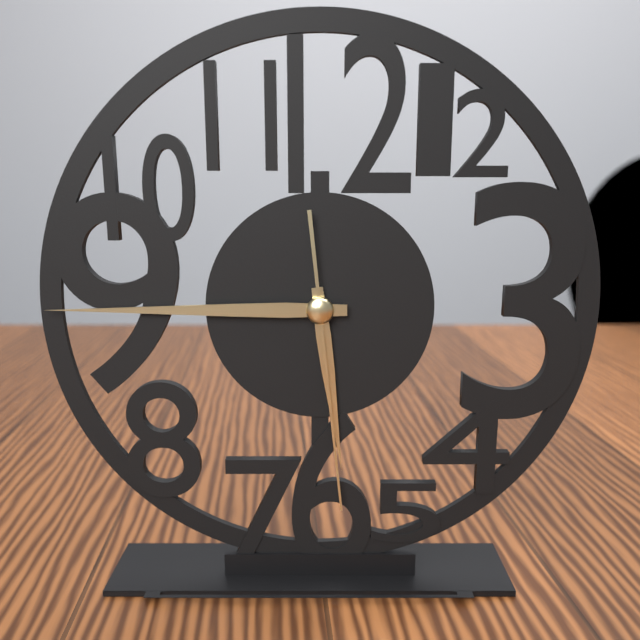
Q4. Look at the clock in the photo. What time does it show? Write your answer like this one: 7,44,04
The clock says 5,45,29
